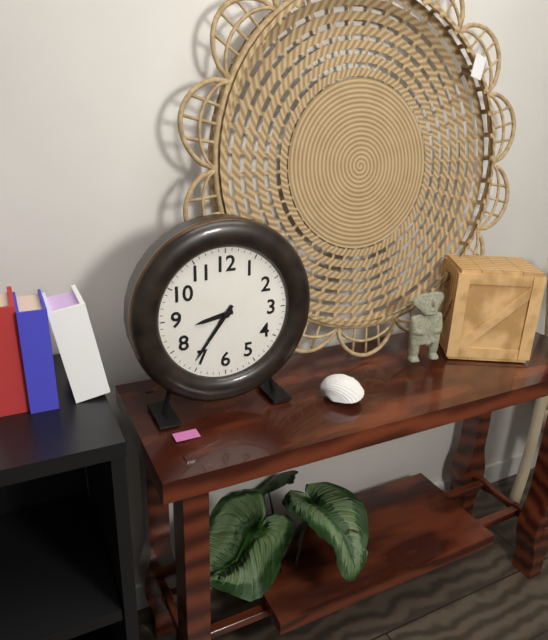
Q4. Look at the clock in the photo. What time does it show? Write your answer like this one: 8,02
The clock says 8,36
